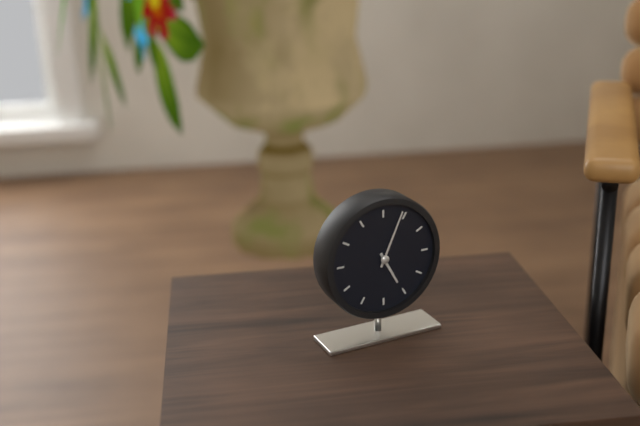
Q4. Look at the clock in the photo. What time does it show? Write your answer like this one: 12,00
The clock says 5,04
